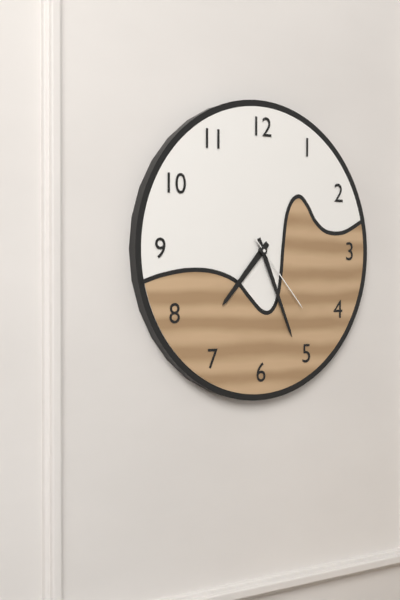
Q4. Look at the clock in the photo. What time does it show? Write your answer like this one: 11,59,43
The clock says 7,26,23
